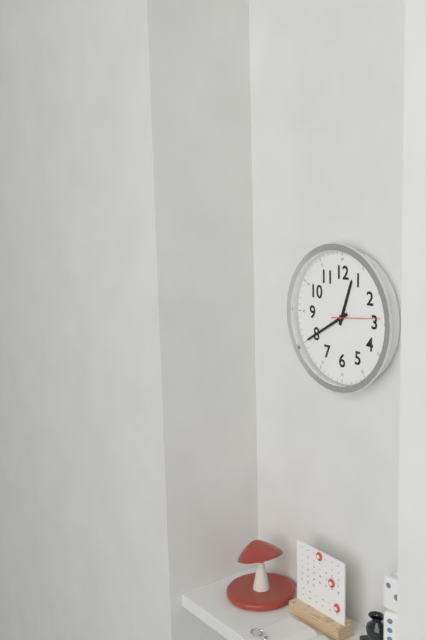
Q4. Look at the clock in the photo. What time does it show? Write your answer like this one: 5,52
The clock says 12,40
